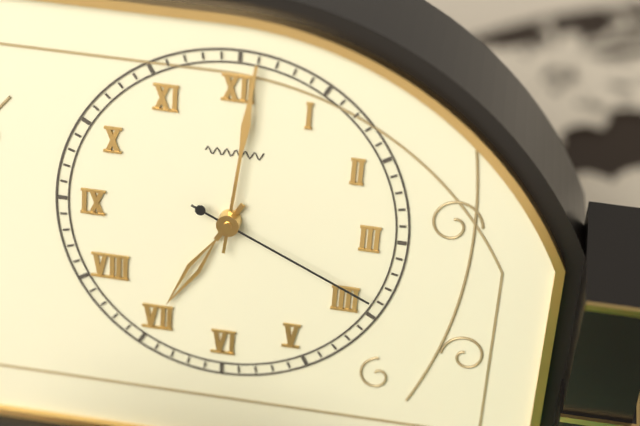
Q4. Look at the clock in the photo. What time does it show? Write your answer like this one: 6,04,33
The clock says 7,01,19
